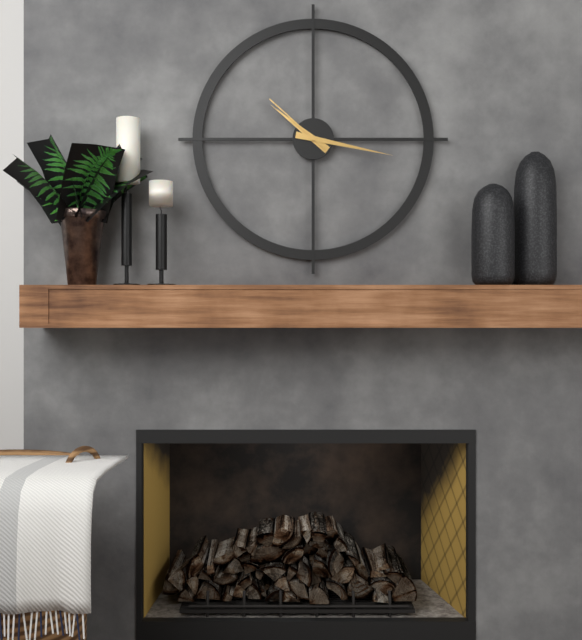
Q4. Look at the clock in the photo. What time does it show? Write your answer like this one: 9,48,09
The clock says 10,17,52
